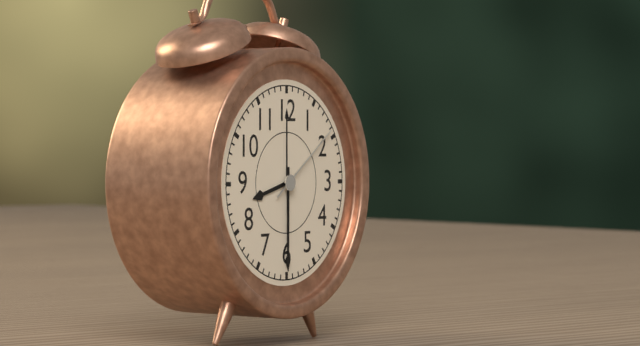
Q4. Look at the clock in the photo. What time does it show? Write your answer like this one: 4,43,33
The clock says 8,30,09
